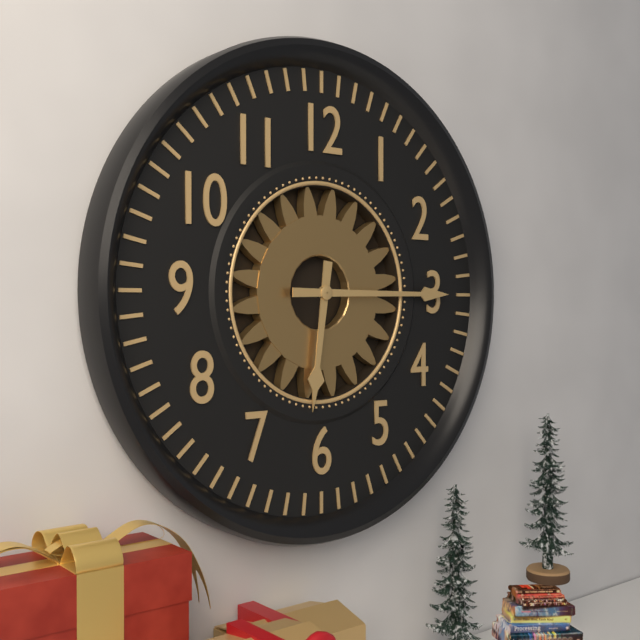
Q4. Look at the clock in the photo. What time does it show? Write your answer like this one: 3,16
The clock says 6,15
